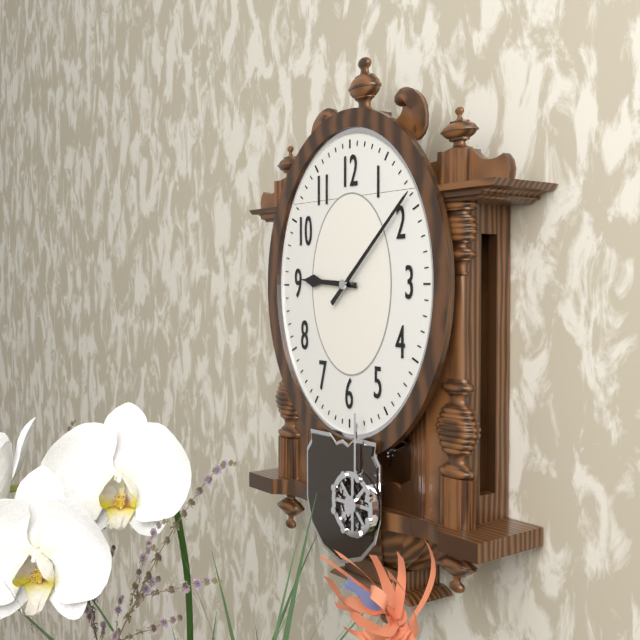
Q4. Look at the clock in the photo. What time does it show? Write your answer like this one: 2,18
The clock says 9,08
